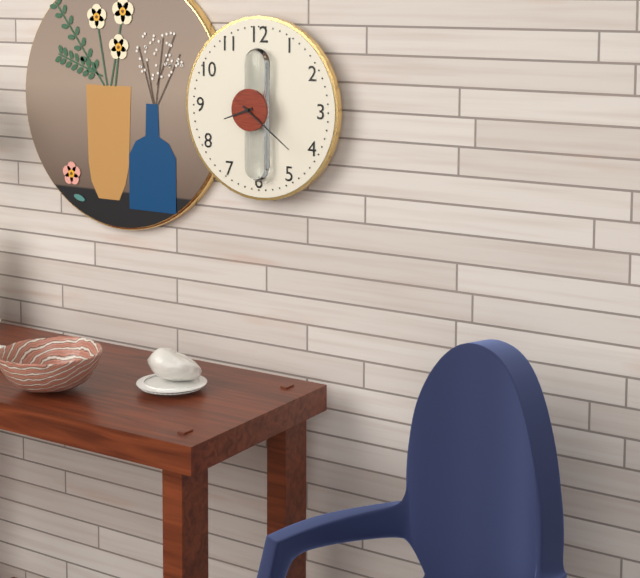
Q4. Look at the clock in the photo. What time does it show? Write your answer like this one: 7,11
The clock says 8,21
